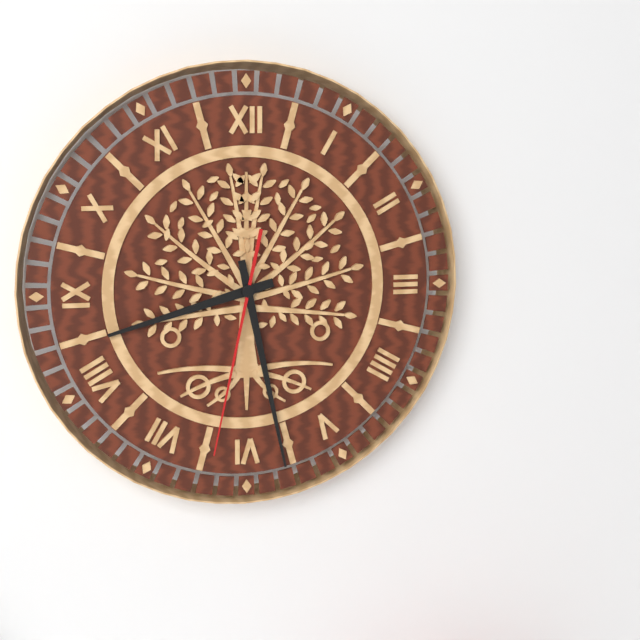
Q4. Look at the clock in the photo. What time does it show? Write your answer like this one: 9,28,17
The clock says 8,28,32
